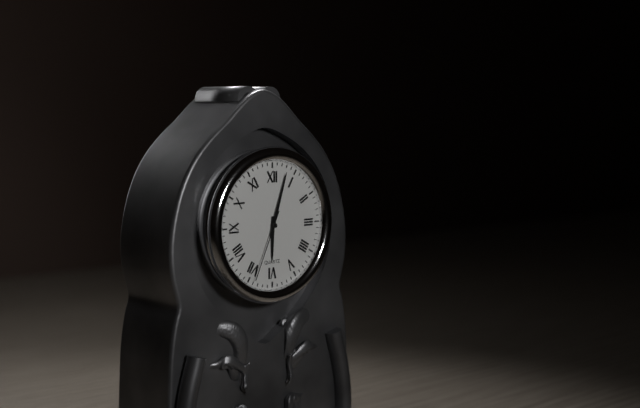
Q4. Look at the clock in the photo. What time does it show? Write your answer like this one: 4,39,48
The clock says 6,03,34
